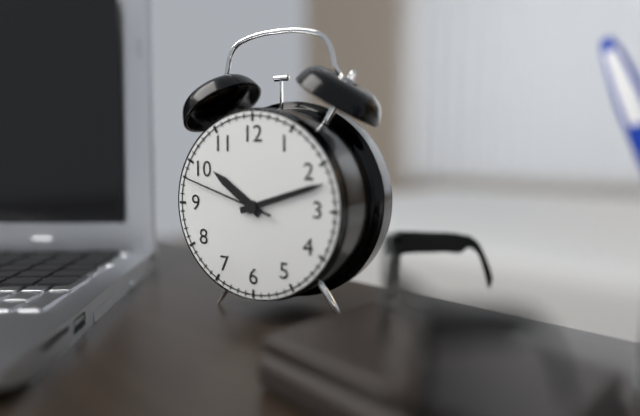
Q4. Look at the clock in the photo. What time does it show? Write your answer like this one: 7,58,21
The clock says 10,12,48
